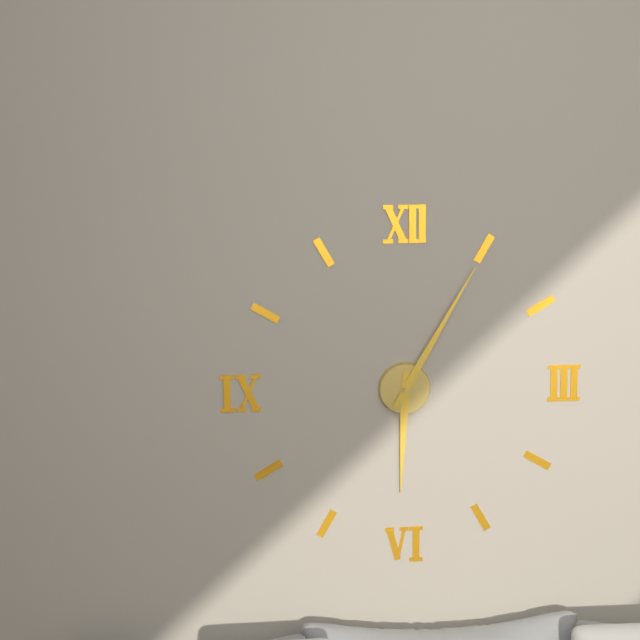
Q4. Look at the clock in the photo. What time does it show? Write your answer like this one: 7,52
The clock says 6,05
